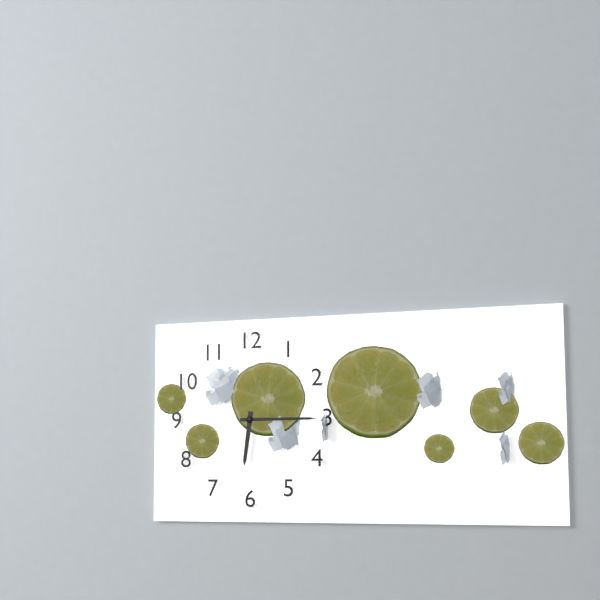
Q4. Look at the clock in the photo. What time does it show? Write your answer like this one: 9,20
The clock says 6,15
